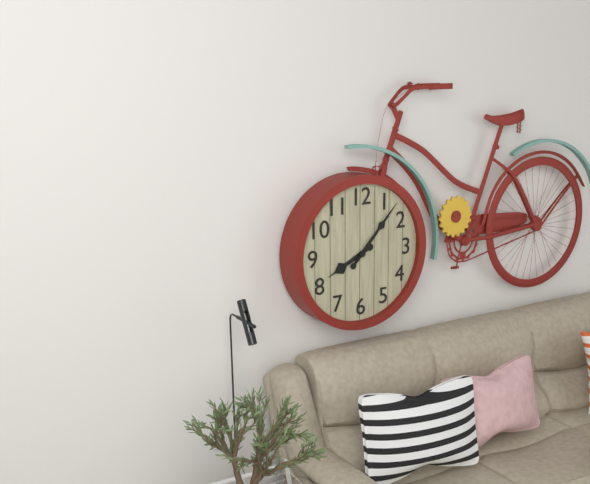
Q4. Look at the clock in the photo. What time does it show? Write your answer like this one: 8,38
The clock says 8,07
